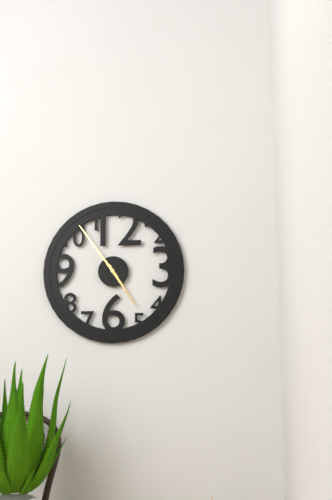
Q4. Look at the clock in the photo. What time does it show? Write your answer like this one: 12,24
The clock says 4,54
